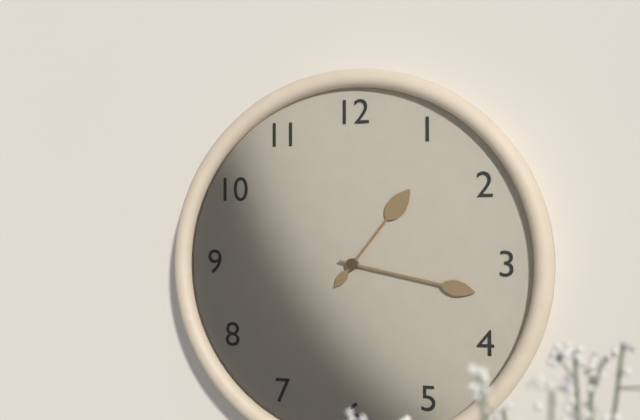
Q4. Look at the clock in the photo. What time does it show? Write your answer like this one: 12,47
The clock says 1,17
